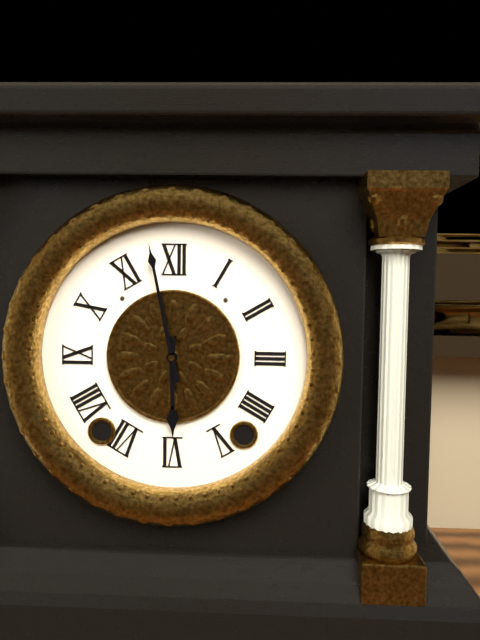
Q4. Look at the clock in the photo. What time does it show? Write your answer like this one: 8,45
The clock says 5,58
